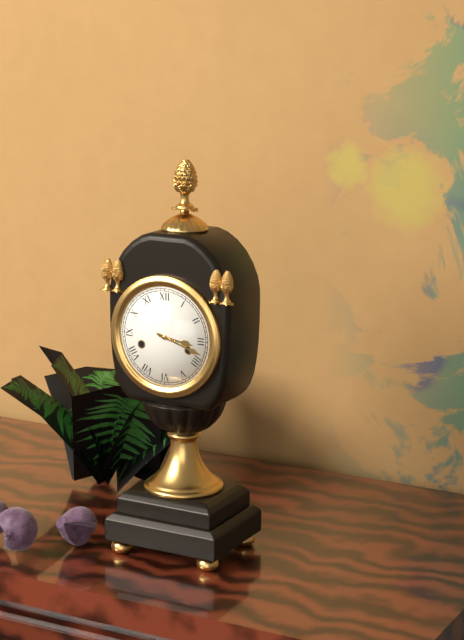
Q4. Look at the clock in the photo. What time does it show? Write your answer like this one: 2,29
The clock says 3,18
